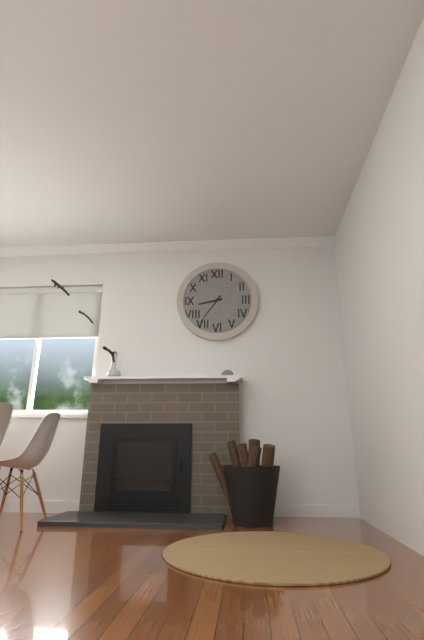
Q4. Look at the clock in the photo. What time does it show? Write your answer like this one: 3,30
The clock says 8,36
